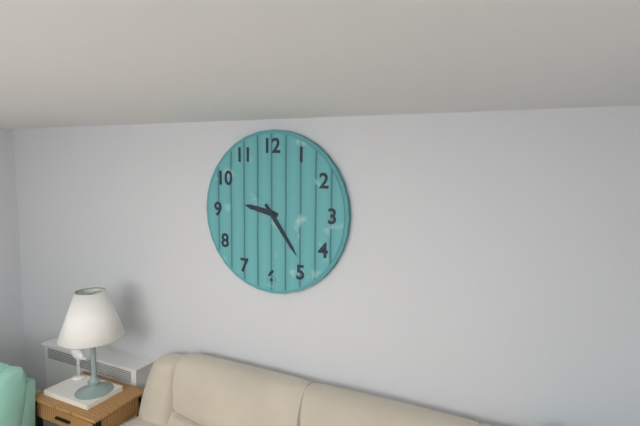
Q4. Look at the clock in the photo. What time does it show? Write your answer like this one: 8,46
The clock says 9,24
